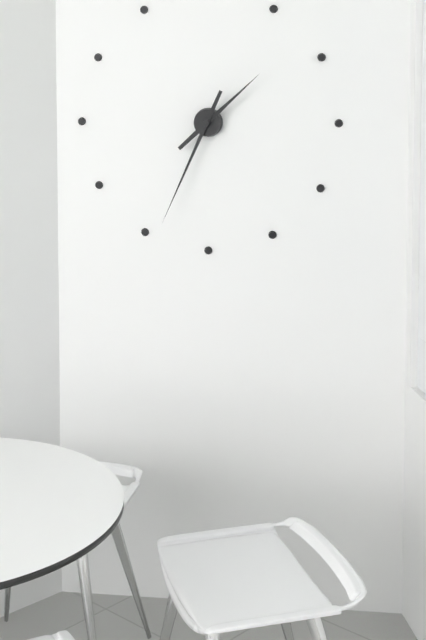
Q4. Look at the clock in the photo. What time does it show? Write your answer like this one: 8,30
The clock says 1,34
